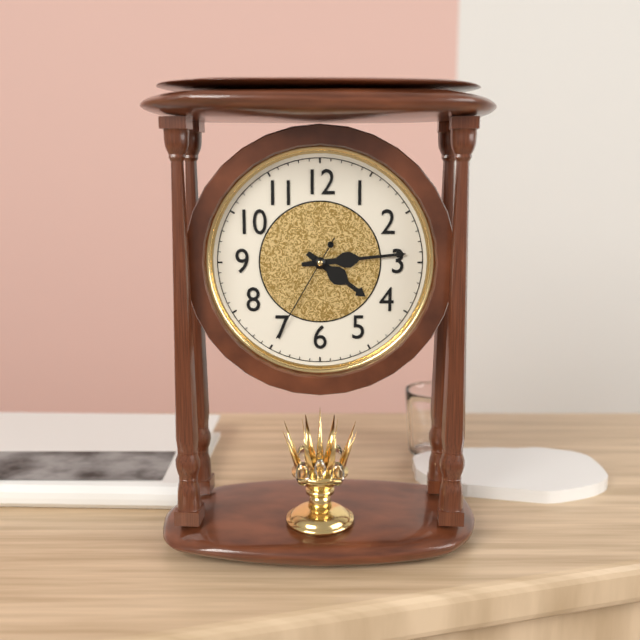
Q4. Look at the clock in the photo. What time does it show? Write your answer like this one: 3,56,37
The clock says 4,14,35
